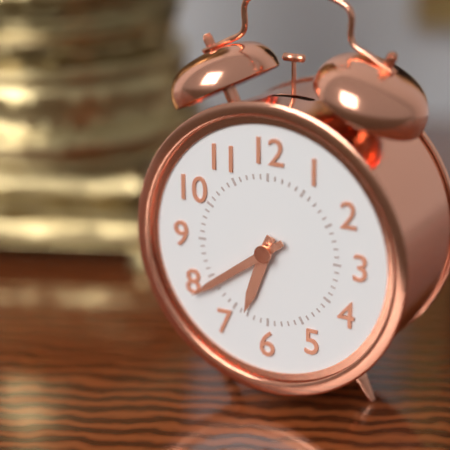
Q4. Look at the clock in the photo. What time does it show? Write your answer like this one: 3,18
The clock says 6,39
